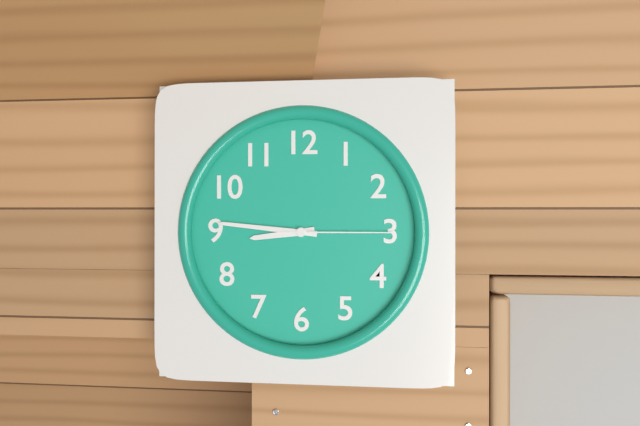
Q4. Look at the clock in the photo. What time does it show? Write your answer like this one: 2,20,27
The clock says 8,46,15
